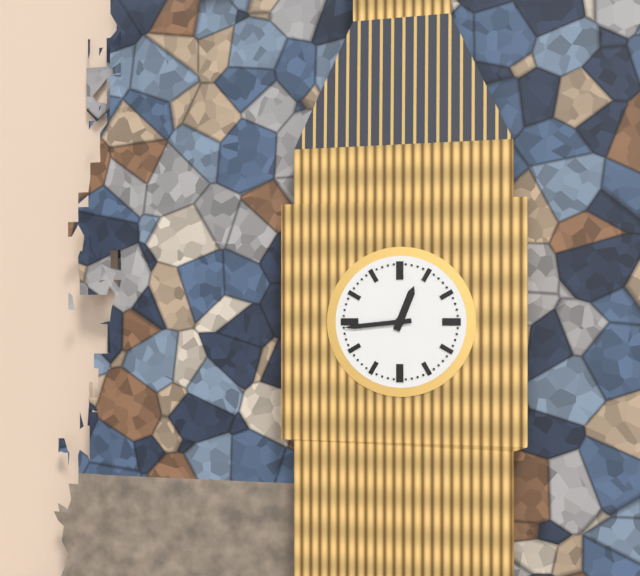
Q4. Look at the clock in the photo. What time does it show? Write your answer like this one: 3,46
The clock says 12,44
